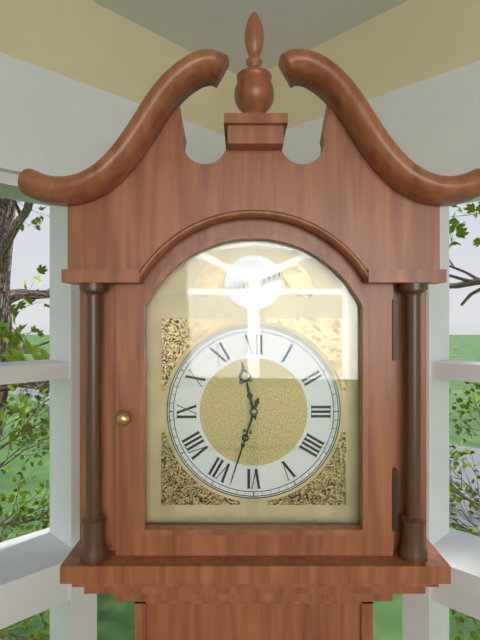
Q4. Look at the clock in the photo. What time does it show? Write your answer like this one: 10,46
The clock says 11,33
